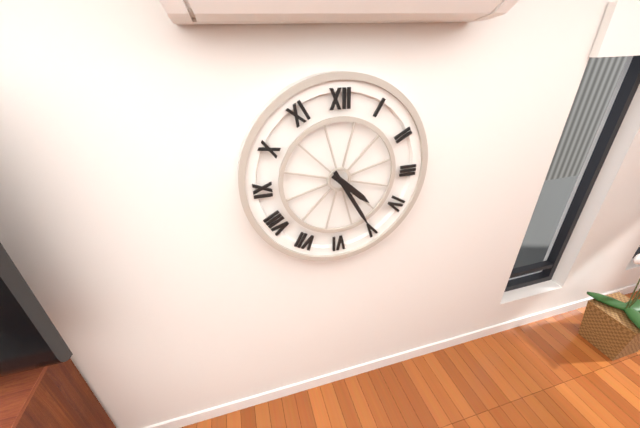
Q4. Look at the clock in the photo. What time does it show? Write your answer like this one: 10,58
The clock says 4,25
